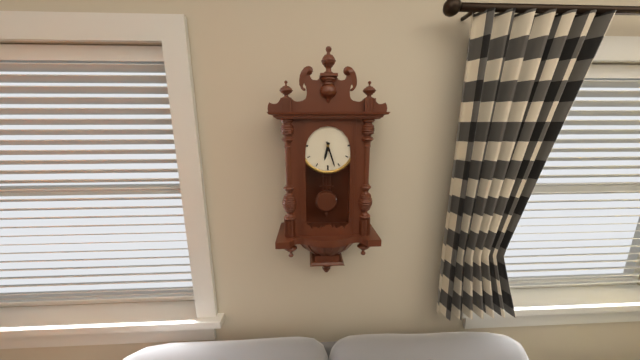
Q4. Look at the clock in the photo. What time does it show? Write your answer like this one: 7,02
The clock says 6,27
